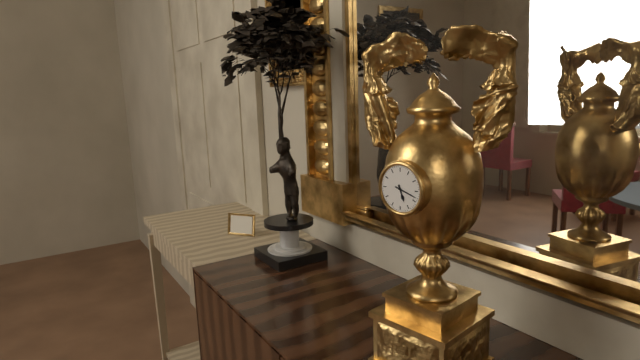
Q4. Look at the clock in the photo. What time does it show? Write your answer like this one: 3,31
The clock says 5,18
